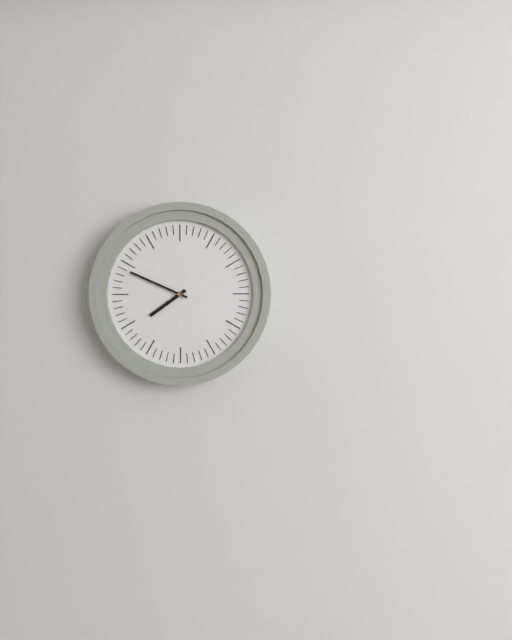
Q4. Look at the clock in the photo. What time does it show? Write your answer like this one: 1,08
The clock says 7,49
